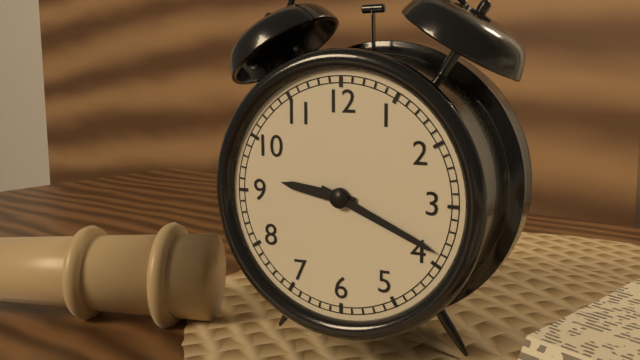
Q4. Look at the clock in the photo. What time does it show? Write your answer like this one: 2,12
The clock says 9,19
